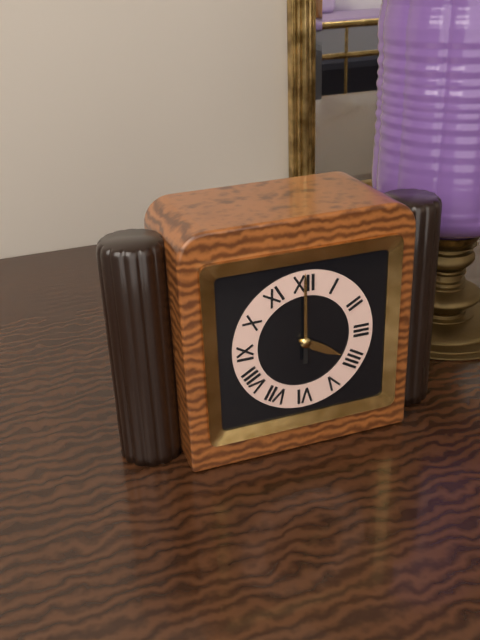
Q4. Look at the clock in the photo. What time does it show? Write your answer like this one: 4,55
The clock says 4,00
